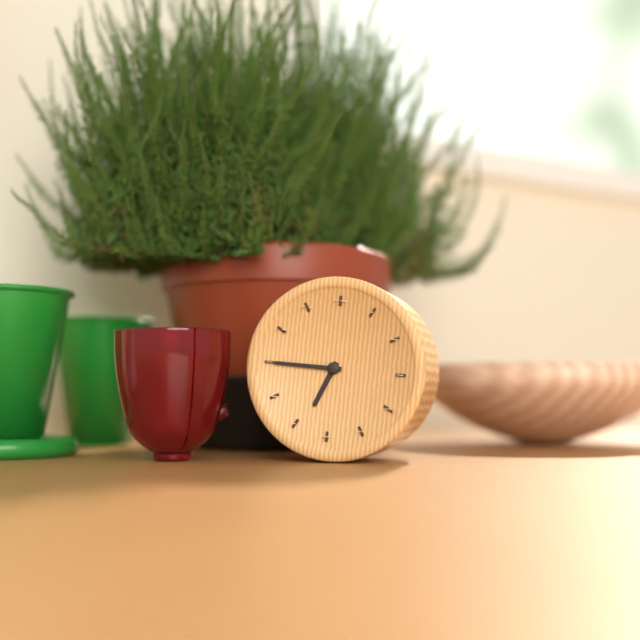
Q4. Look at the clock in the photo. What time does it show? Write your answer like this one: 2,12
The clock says 6,45
